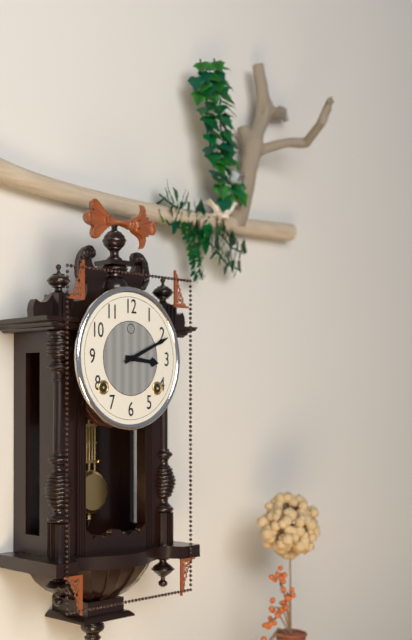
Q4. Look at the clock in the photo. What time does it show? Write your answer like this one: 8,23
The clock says 3,11
